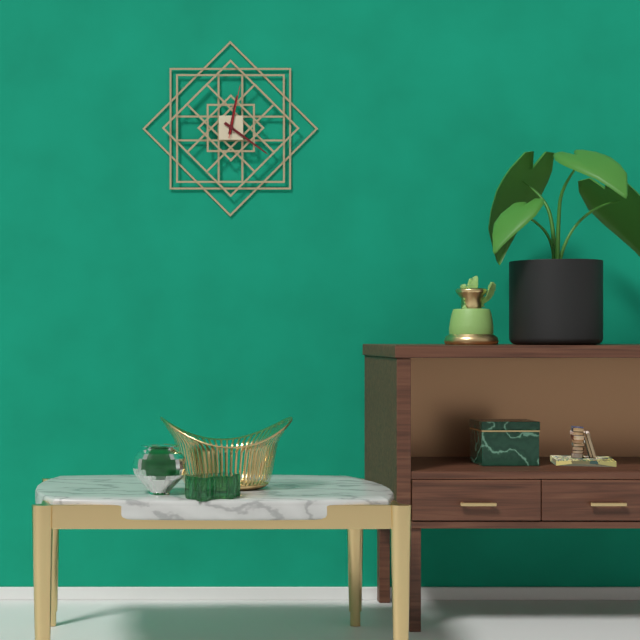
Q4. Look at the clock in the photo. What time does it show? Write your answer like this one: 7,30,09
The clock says 12,21,02
